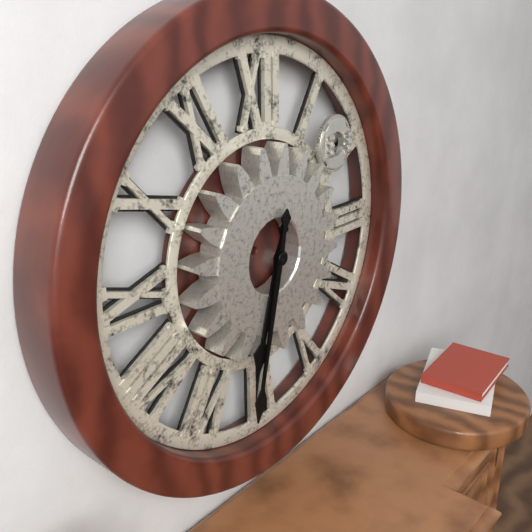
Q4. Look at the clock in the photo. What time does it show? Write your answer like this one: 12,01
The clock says 6,32
